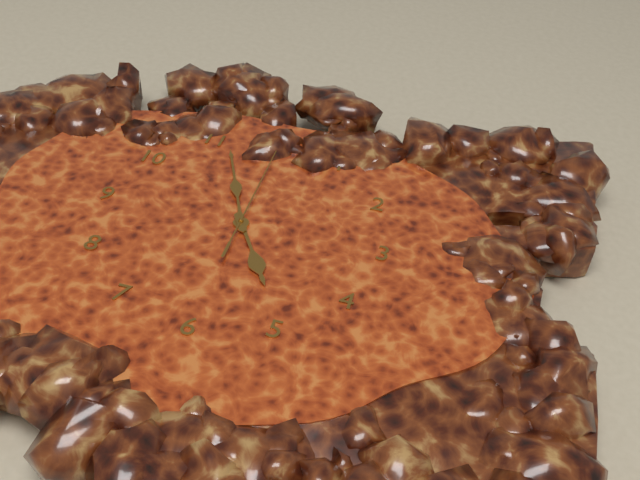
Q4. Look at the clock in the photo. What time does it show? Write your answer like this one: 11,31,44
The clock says 4,56,00
